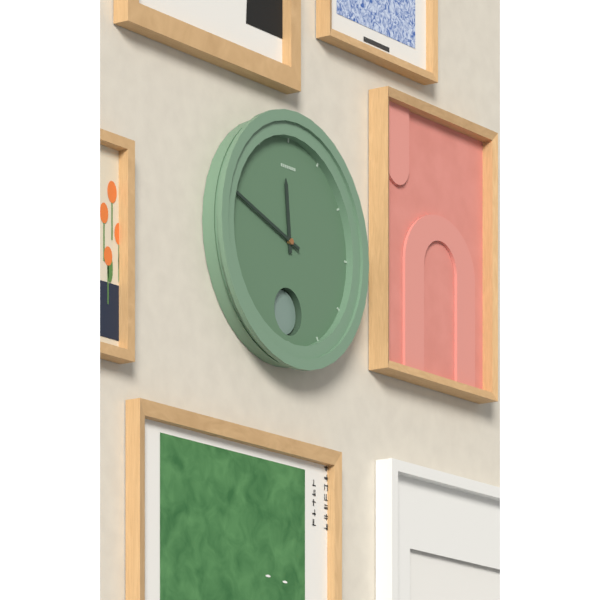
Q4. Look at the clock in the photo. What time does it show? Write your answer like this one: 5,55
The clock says 11,48
